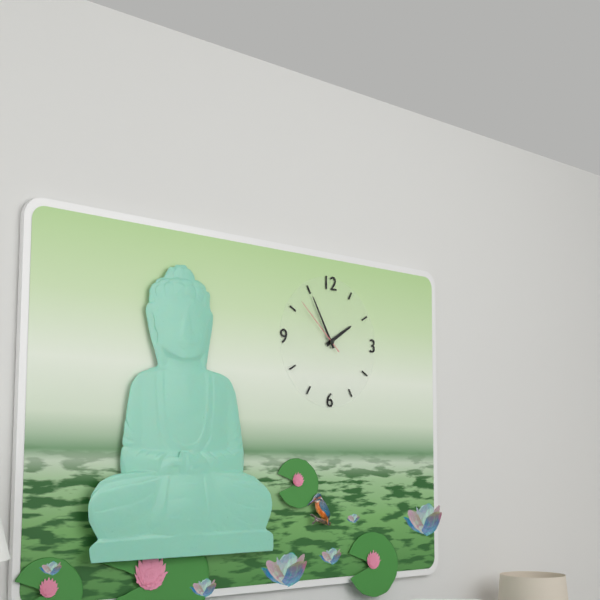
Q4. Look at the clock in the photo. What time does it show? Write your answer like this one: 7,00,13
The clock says 1,55,52
